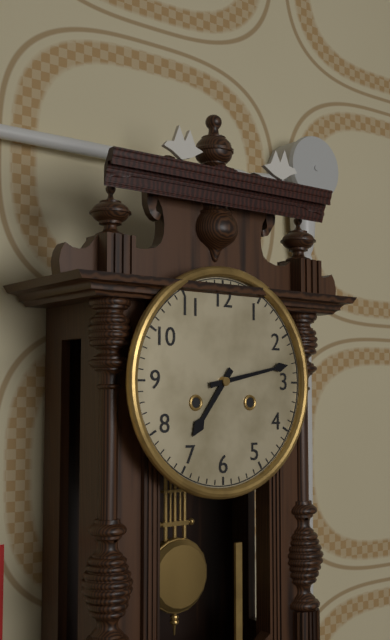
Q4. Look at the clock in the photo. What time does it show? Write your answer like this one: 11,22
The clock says 7,13
